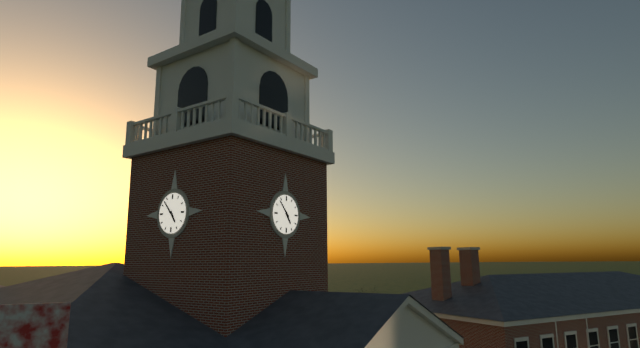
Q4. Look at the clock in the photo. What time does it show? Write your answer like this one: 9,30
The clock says 4,53
